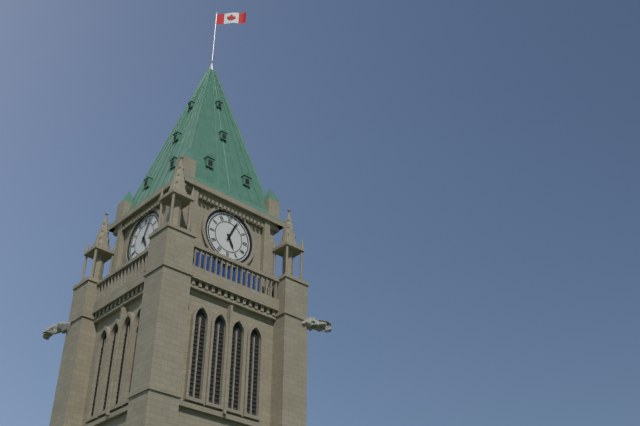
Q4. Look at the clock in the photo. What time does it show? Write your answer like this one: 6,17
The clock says 5,04
